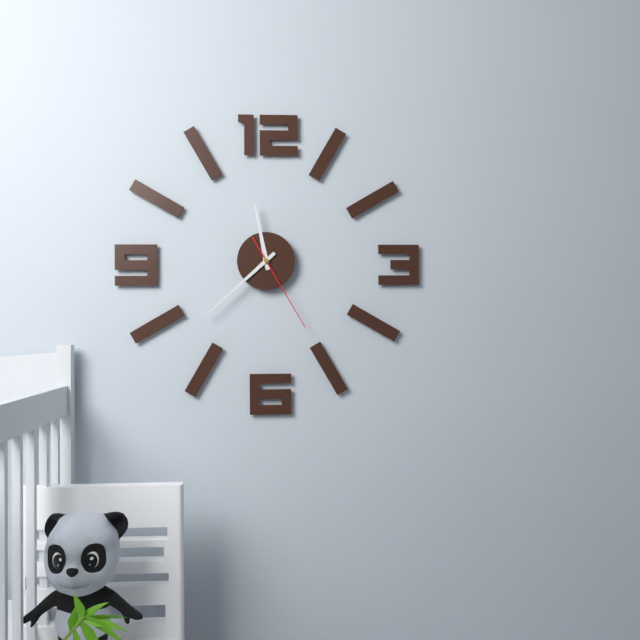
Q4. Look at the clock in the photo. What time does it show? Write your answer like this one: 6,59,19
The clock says 11,38,25
